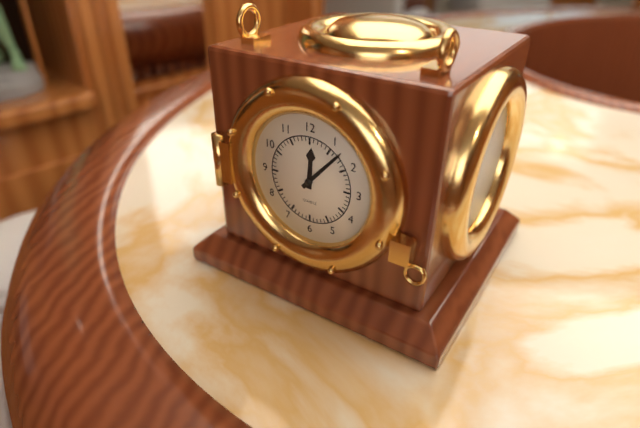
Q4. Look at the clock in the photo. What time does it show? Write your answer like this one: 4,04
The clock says 12,07
